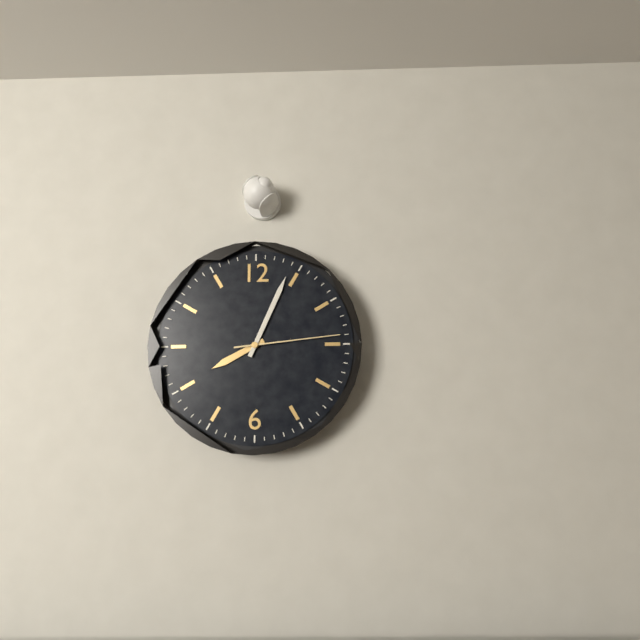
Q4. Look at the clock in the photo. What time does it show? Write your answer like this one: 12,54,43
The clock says 8,04,14
